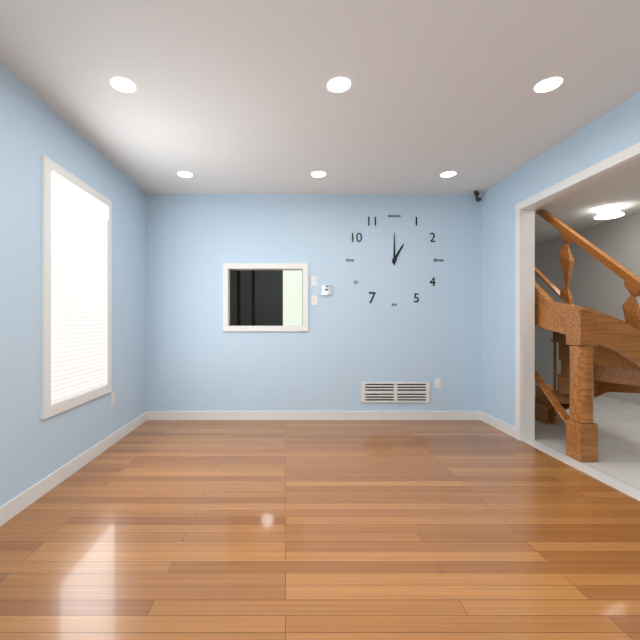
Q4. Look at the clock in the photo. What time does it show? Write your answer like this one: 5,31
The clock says 1,00
